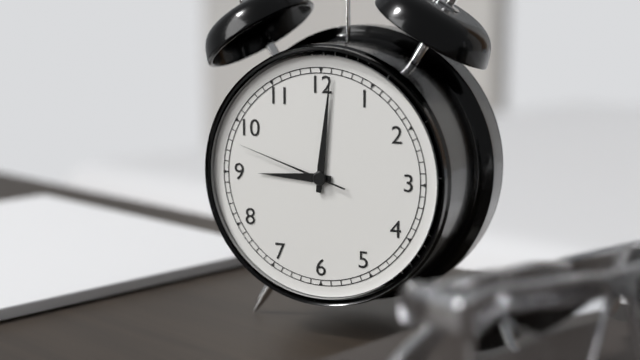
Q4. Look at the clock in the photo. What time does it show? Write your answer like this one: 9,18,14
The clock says 9,01,48
